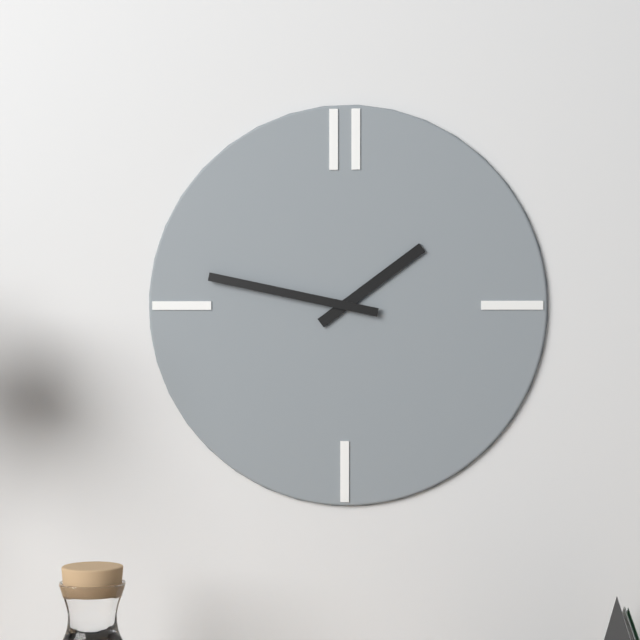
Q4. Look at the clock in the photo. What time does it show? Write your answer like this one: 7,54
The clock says 1,47
